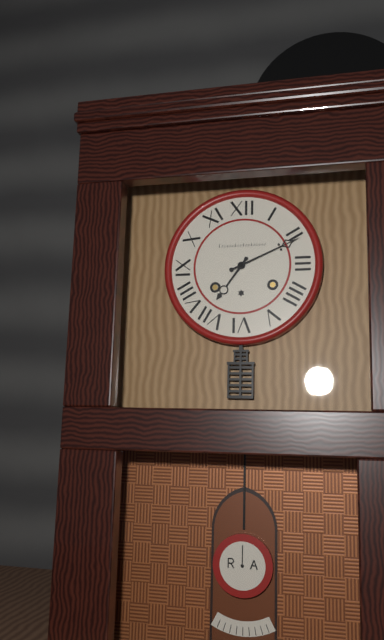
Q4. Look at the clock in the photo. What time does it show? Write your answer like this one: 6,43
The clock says 7,11
